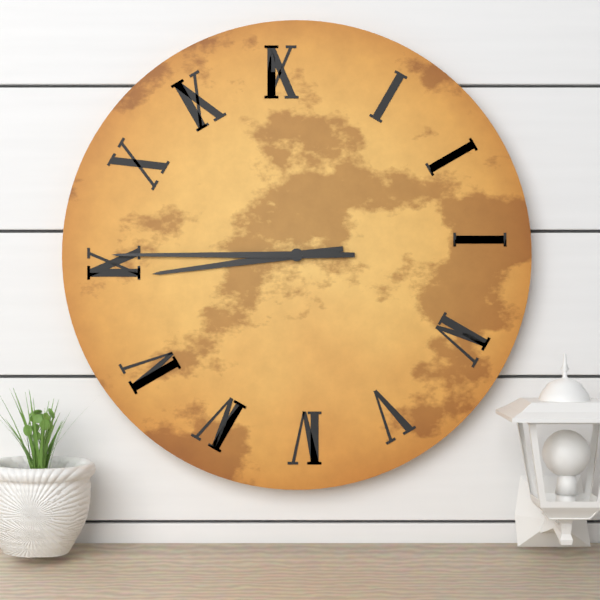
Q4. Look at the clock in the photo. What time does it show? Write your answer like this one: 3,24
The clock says 8,45
